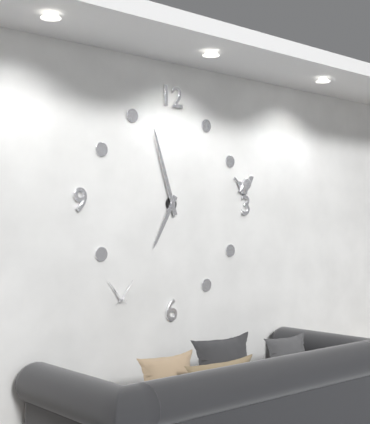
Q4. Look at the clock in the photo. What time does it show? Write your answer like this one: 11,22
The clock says 6,57
